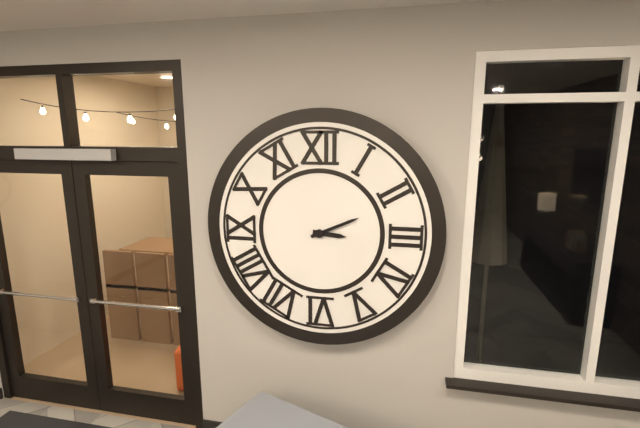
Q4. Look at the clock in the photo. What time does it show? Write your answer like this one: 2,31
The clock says 3,11
